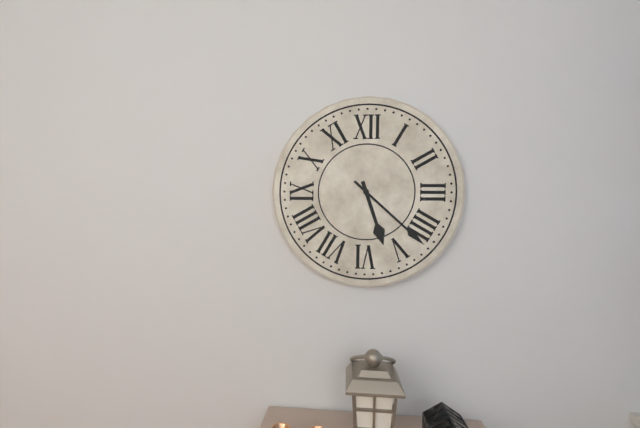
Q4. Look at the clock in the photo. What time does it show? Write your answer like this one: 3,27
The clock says 5,22
